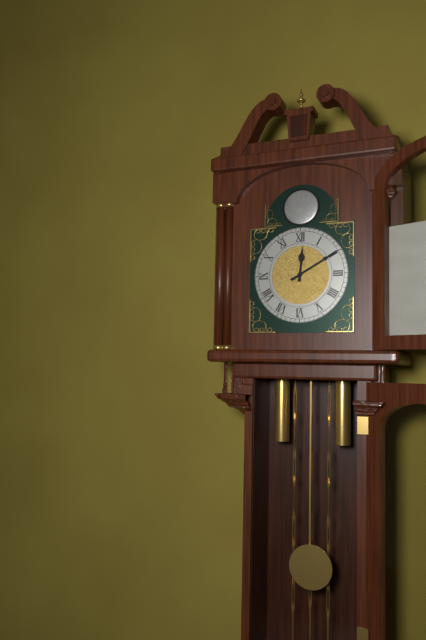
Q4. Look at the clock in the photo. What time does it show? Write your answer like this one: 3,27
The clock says 12,10
